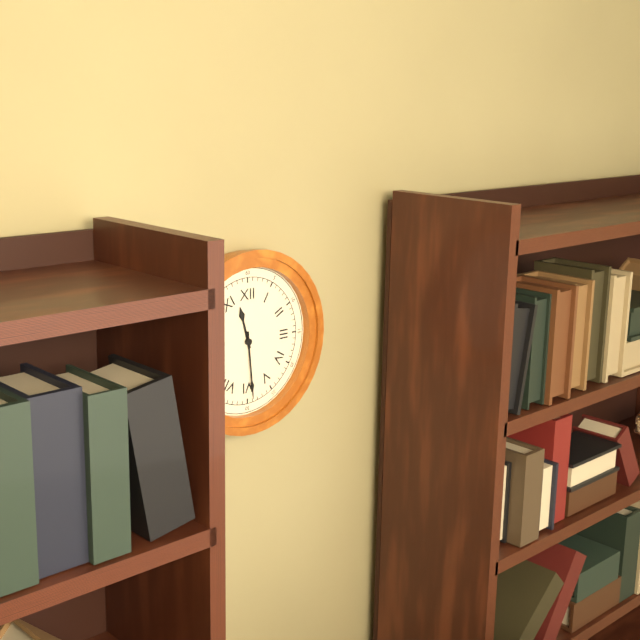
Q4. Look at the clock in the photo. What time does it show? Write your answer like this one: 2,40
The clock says 11,29
